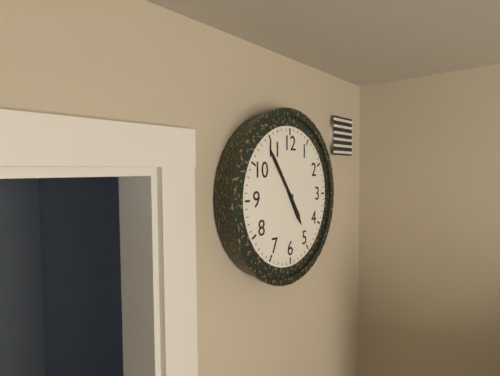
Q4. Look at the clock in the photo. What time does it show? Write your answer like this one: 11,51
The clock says 4,54
